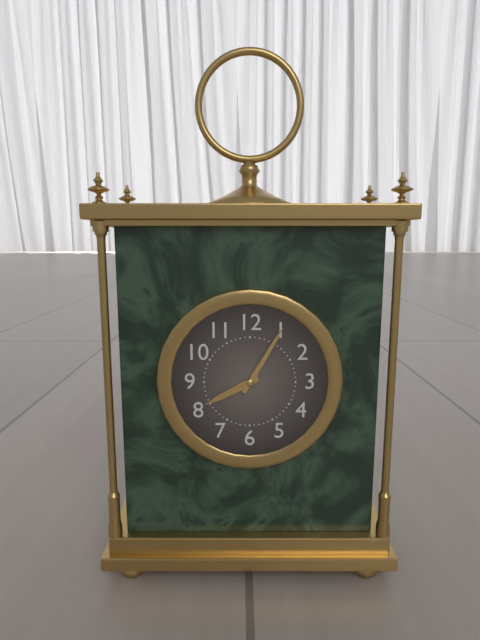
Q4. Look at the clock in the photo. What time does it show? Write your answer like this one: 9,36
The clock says 8,05
